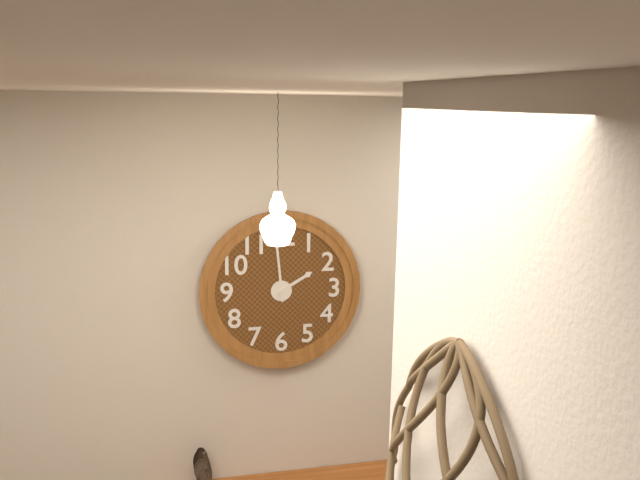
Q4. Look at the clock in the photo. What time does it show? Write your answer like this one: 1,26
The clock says 1,59
